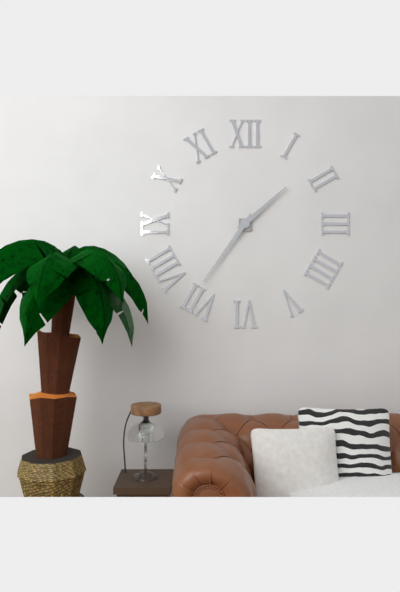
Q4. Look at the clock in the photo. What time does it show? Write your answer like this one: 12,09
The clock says 1,36
